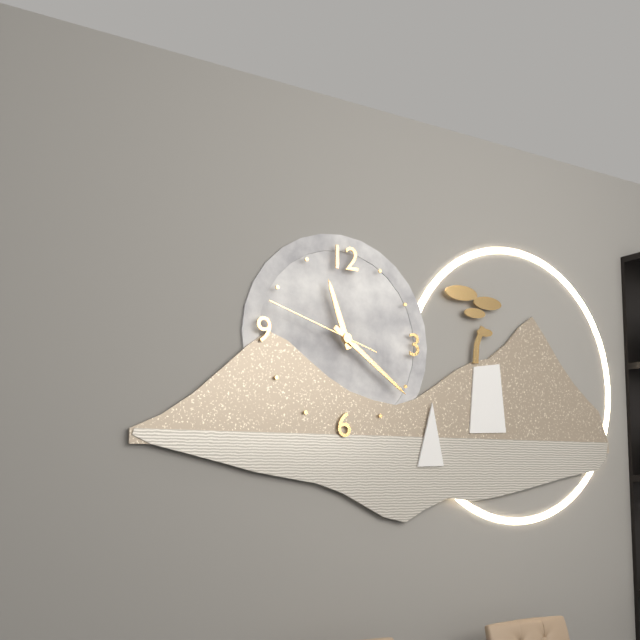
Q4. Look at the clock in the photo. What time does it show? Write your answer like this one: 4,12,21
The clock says 11,21,48
